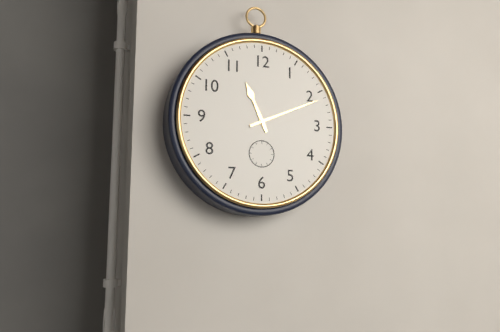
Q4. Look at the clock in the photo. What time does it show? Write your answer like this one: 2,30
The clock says 11,11
